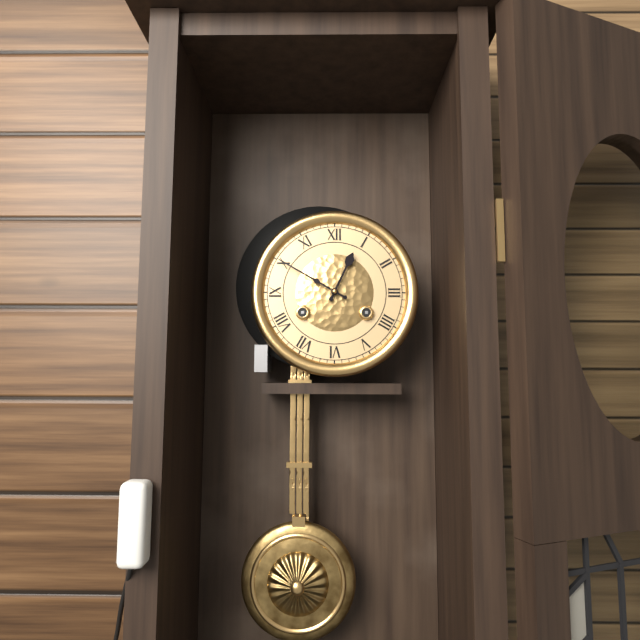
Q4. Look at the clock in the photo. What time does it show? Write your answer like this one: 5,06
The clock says 12,50
